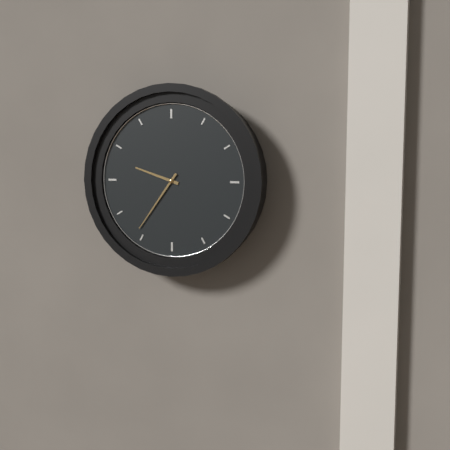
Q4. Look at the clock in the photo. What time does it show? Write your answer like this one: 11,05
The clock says 9,36
